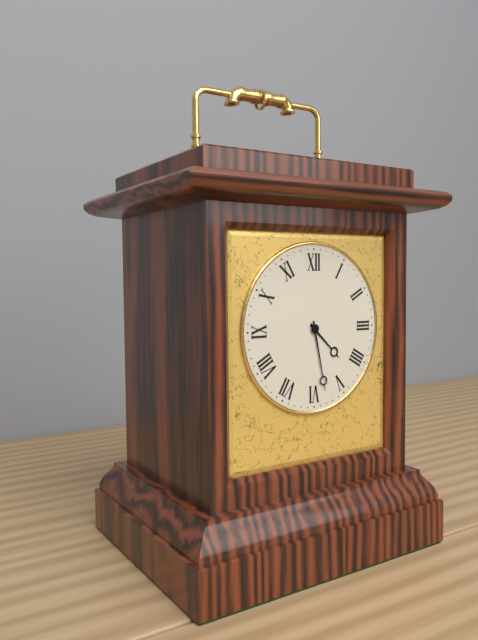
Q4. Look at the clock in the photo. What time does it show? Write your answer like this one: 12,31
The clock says 4,28
